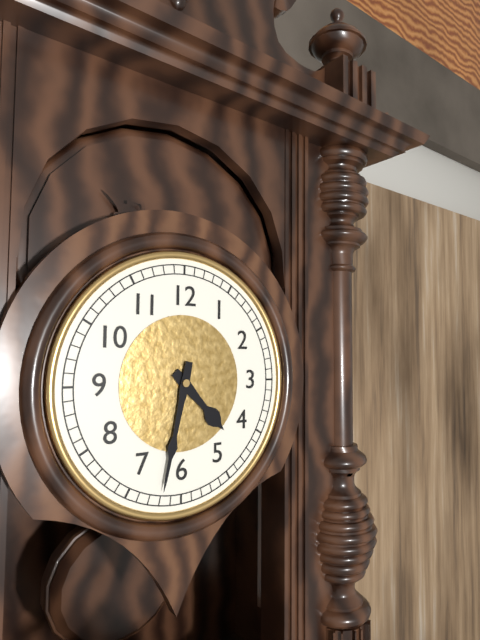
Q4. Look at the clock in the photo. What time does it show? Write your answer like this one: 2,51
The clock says 4,32
